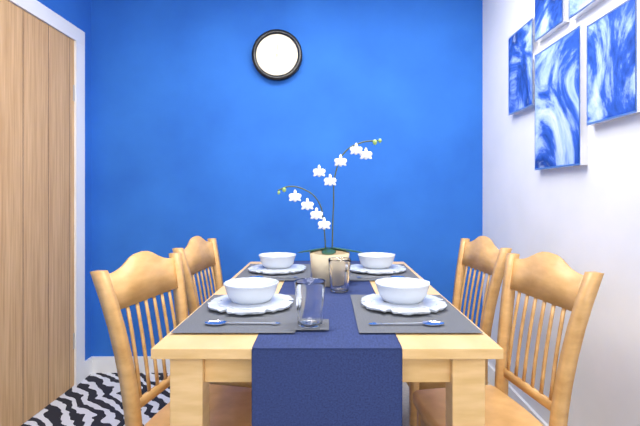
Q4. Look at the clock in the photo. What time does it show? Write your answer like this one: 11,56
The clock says 12,01
